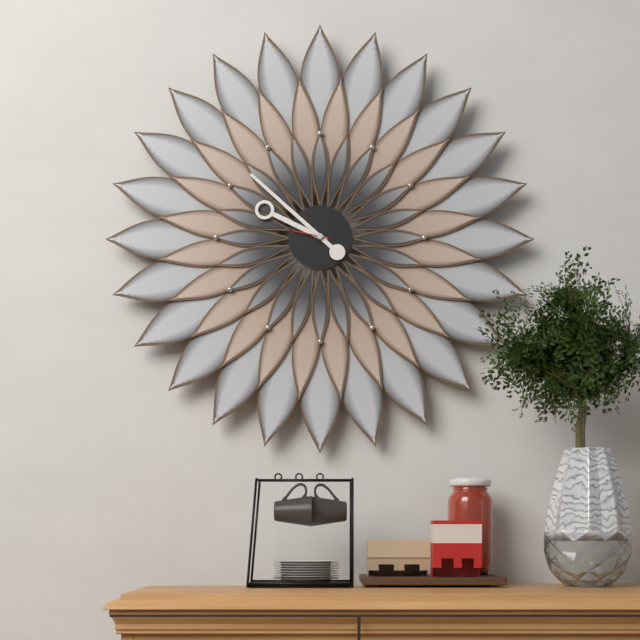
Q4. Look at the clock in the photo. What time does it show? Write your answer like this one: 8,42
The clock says 9,52
